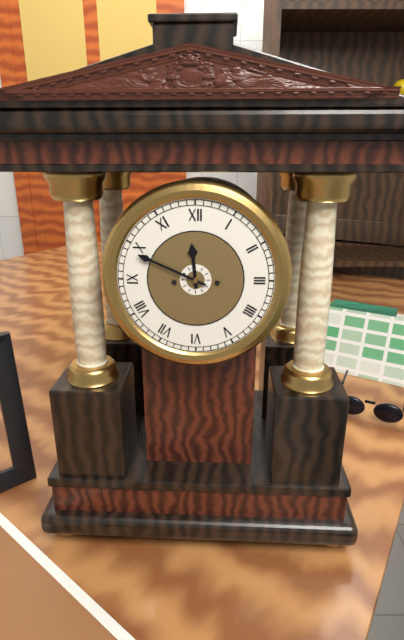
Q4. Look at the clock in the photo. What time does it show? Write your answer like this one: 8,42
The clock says 11,49
